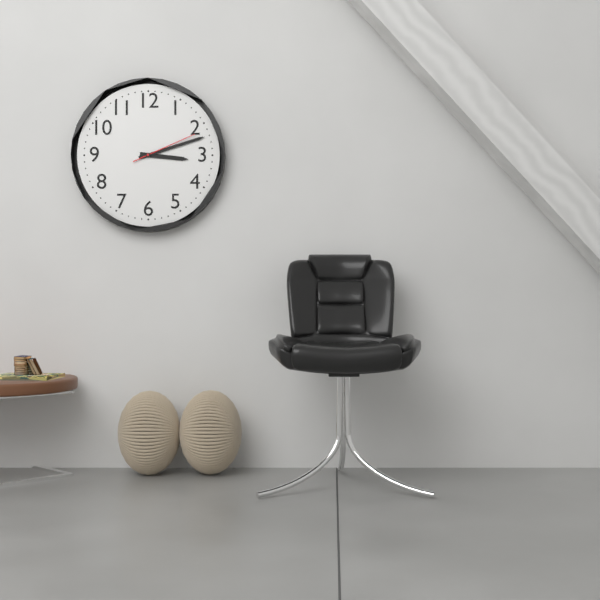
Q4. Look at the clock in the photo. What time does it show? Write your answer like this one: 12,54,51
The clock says 3,12,11
